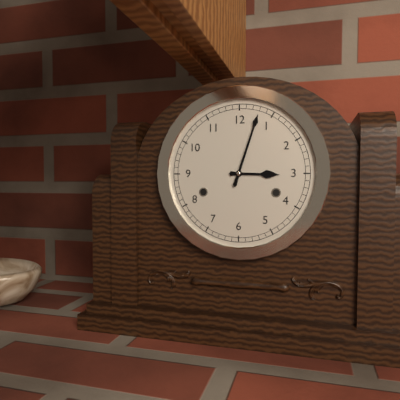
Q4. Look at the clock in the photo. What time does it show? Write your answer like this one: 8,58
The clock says 3,03
